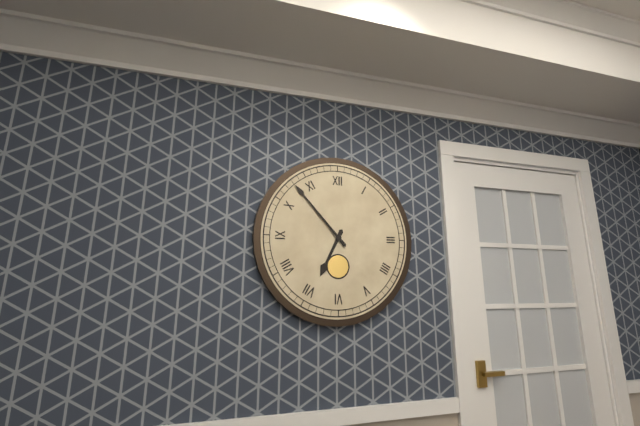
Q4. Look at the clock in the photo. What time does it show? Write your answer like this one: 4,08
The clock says 6,53
